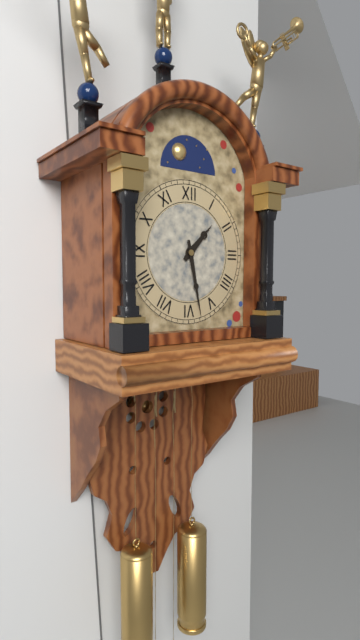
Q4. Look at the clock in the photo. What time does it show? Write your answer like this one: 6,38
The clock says 1,28
